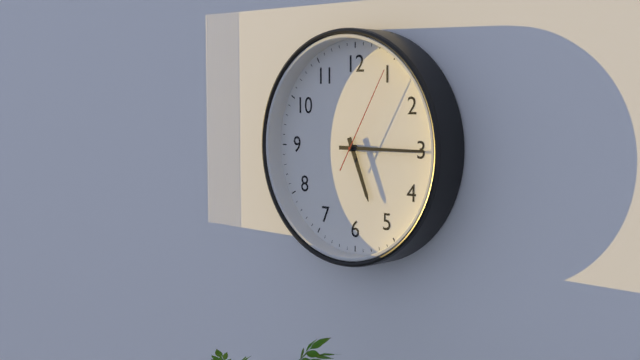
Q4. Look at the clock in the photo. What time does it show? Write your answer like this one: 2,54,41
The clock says 5,15,05
